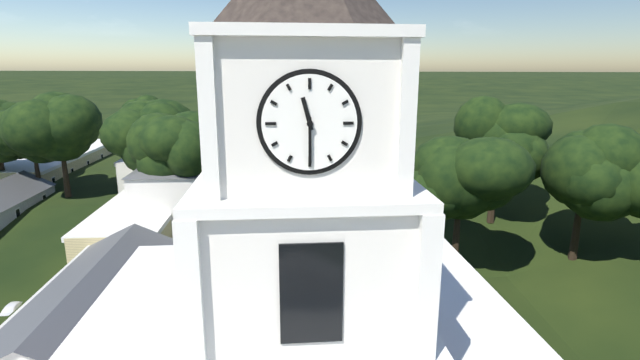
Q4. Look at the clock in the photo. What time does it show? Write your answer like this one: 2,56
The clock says 11,30
